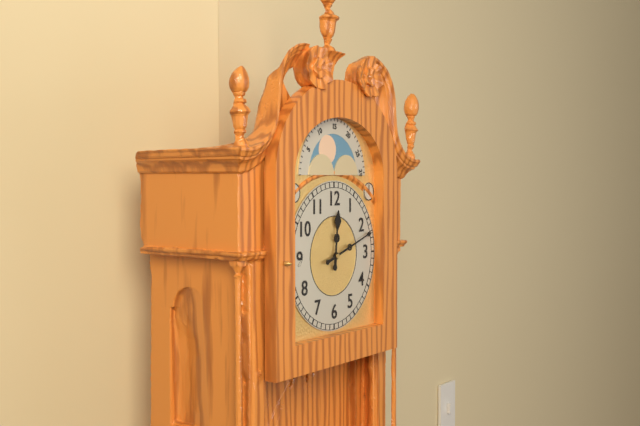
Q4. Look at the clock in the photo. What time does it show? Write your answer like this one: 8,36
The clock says 12,12
